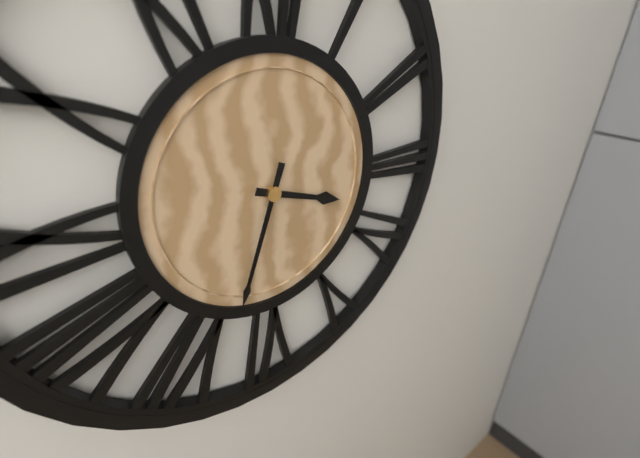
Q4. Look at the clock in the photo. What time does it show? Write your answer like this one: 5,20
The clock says 3,33
